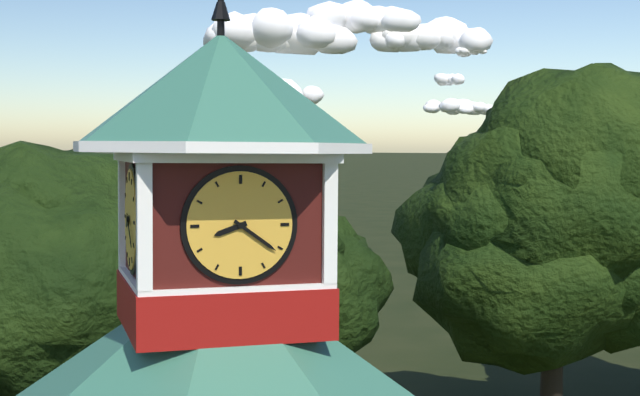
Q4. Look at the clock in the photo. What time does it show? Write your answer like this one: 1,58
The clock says 8,21
